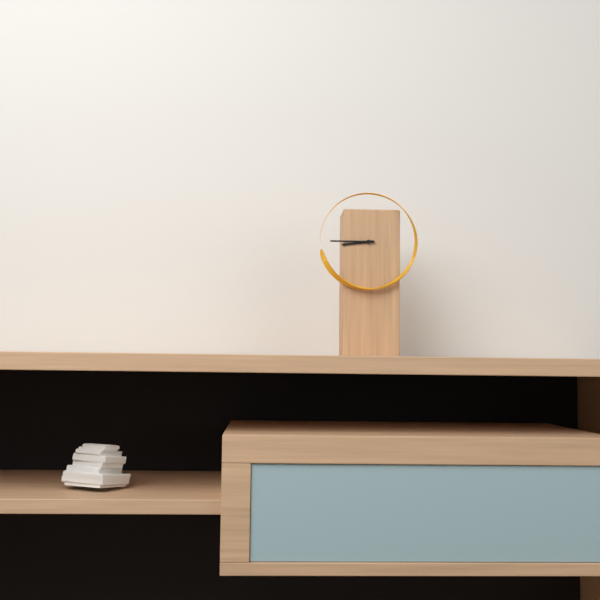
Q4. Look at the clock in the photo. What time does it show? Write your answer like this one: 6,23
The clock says 8,45
